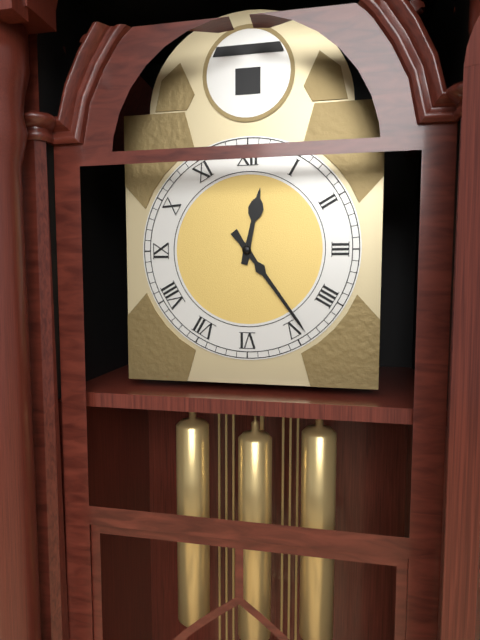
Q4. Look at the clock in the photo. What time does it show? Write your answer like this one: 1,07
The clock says 12,24
